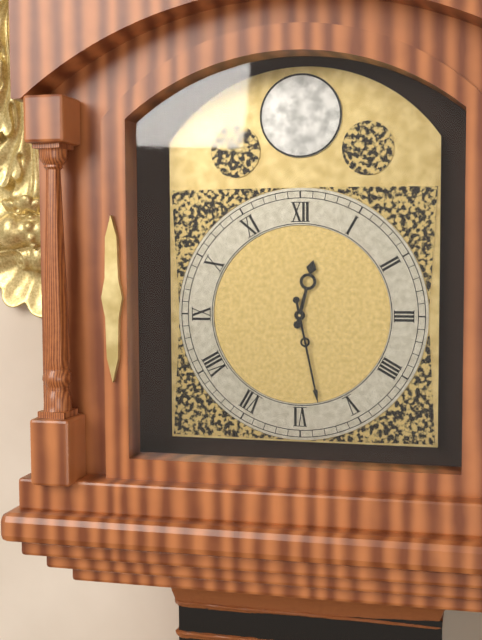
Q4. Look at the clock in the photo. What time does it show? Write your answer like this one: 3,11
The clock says 12,28
